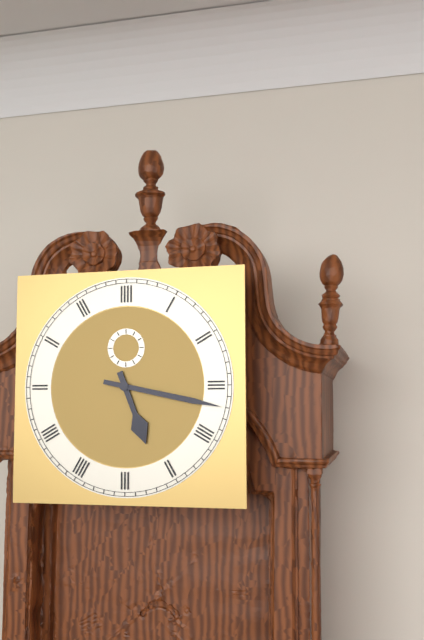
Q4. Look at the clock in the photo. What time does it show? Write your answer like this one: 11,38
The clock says 5,17
